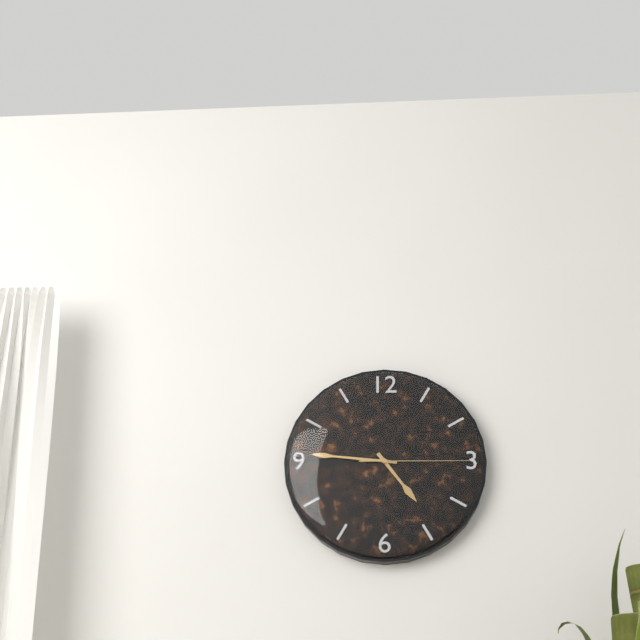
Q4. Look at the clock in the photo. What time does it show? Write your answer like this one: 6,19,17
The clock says 4,46,15
